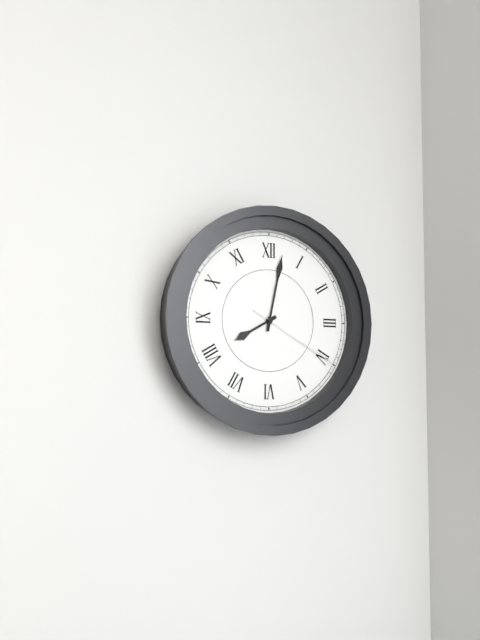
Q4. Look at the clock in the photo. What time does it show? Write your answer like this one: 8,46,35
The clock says 8,02,20
